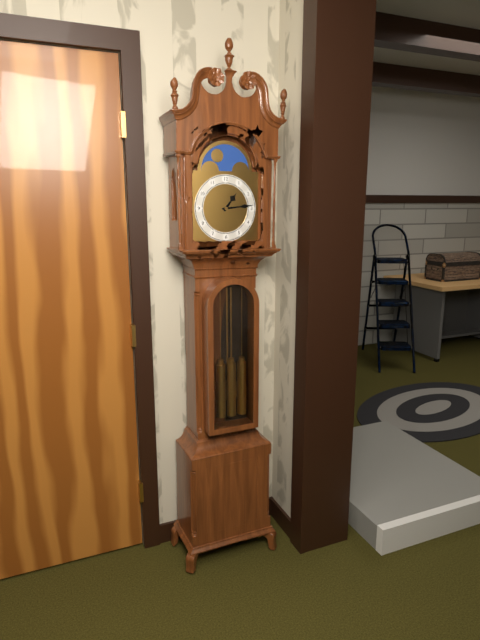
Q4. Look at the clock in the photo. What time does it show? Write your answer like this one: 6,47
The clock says 1,14
